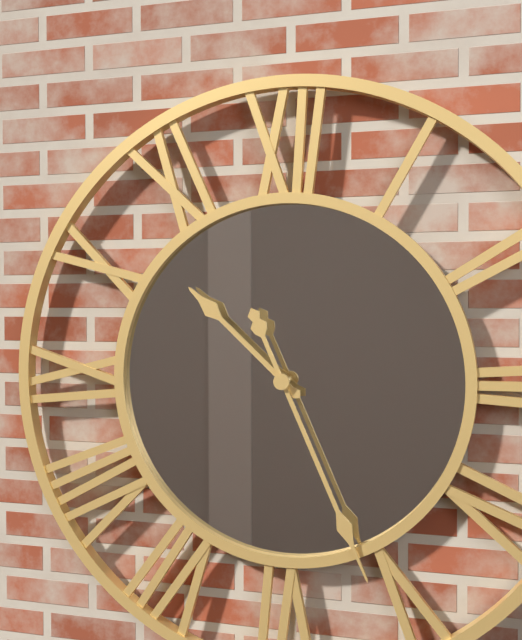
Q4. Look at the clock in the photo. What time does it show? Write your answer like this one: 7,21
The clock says 10,26
